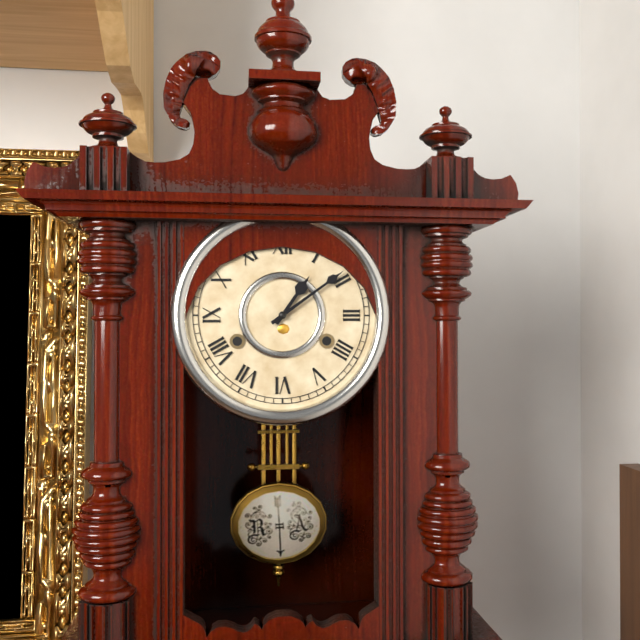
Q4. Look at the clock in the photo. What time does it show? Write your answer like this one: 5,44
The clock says 1,09
